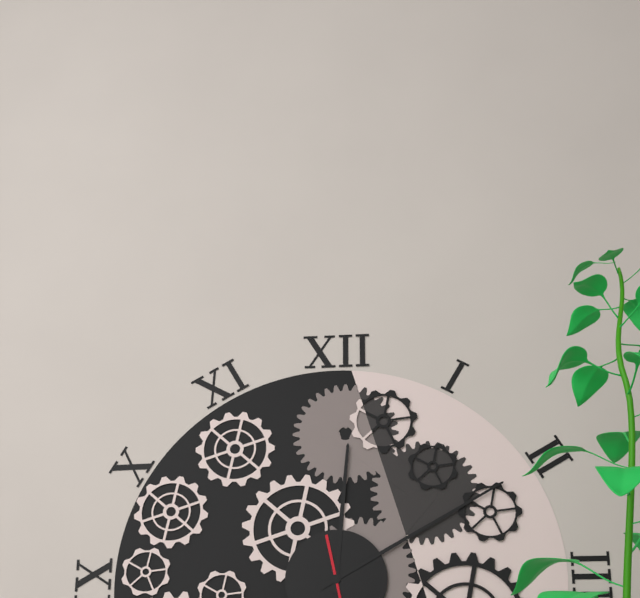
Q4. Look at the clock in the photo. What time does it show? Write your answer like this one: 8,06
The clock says 12,10
